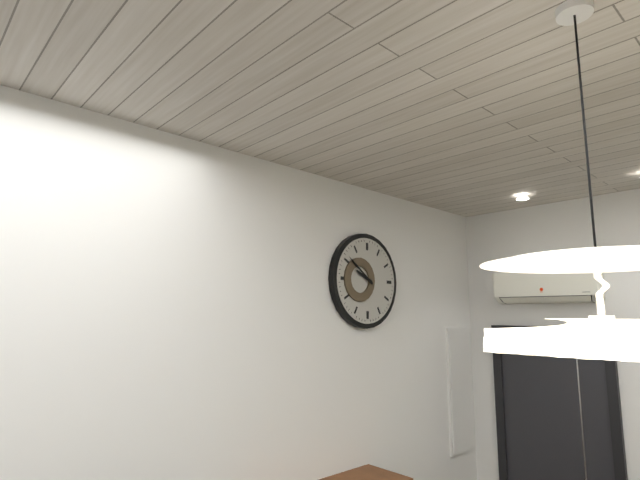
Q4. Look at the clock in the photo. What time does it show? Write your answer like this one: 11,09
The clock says 9,51
